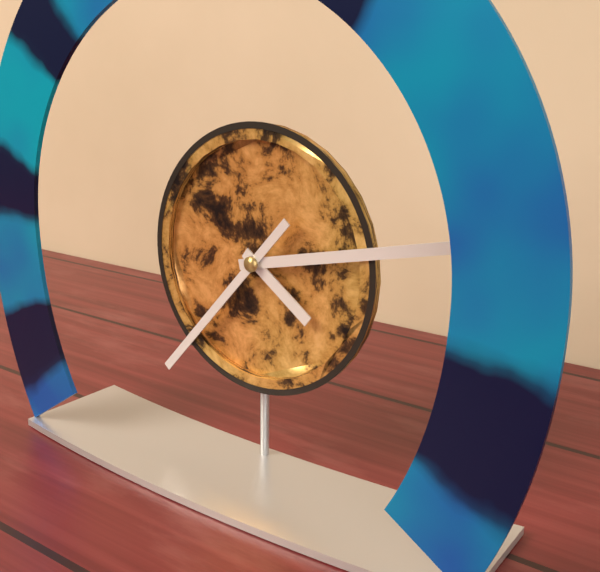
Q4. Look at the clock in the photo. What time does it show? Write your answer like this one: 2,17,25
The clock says 4,13,37
